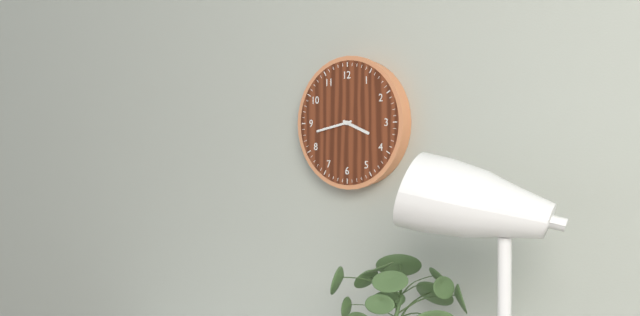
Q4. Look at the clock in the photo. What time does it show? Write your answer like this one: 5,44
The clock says 3,43
